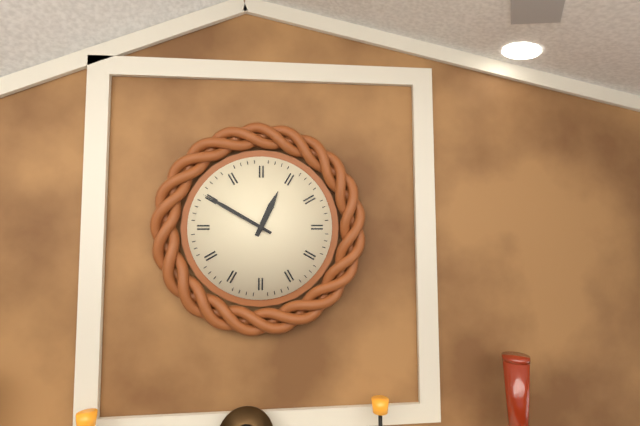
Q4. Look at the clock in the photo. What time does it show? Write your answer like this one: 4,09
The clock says 12,50
